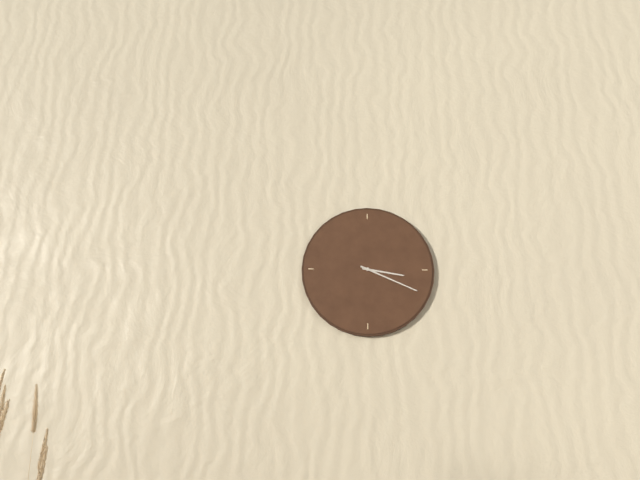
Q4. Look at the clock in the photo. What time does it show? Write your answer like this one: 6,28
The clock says 3,19
